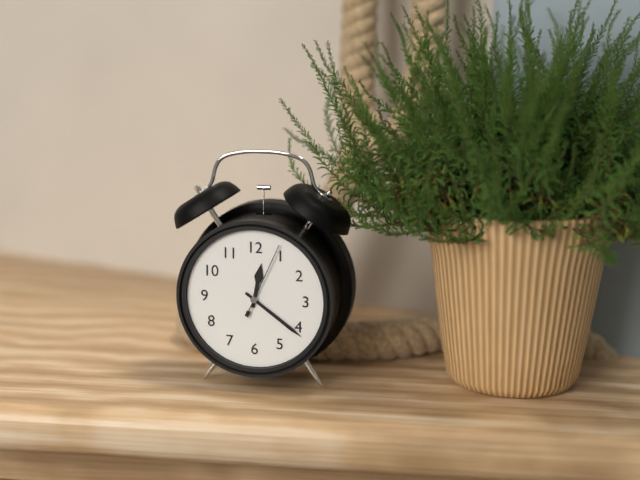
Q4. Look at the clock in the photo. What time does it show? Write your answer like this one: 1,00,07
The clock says 12,21,04
